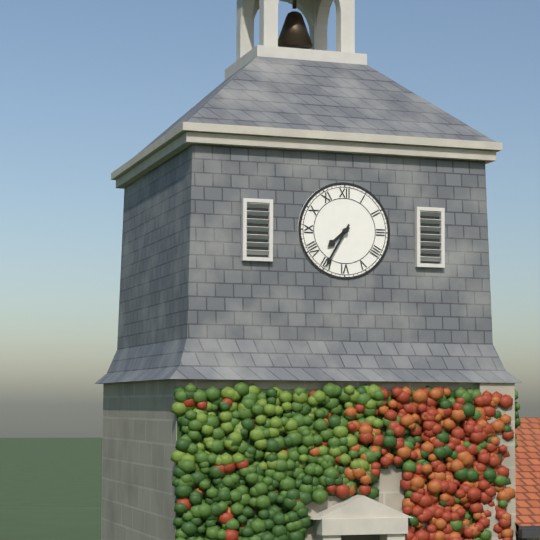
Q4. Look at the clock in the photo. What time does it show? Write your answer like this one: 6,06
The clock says 7,35
